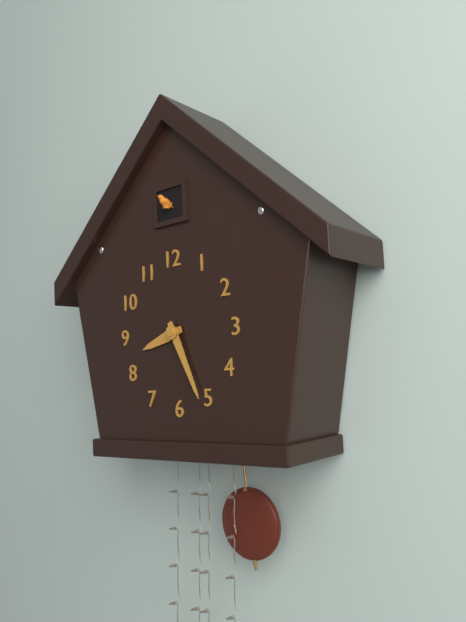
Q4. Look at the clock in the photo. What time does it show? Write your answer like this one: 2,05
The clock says 8,26
